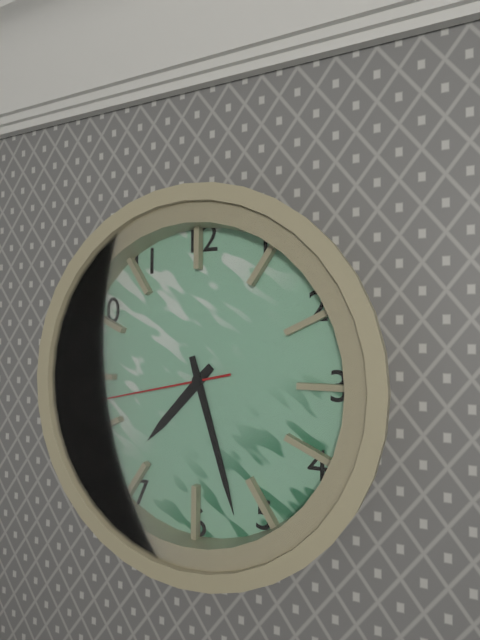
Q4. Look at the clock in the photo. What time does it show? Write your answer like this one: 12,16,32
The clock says 7,27,43
